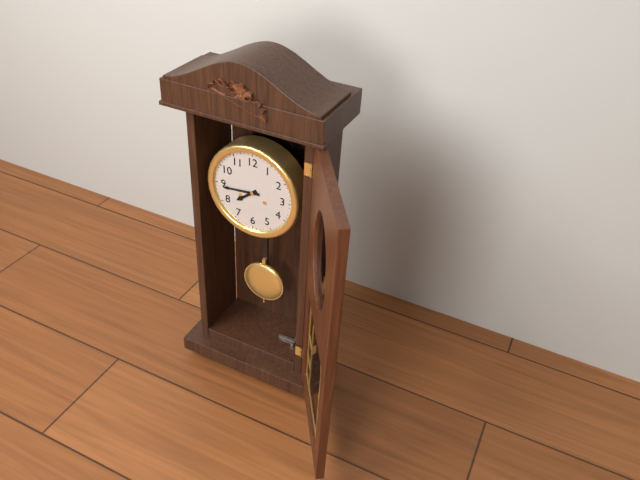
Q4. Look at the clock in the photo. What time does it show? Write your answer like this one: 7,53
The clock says 7,44
